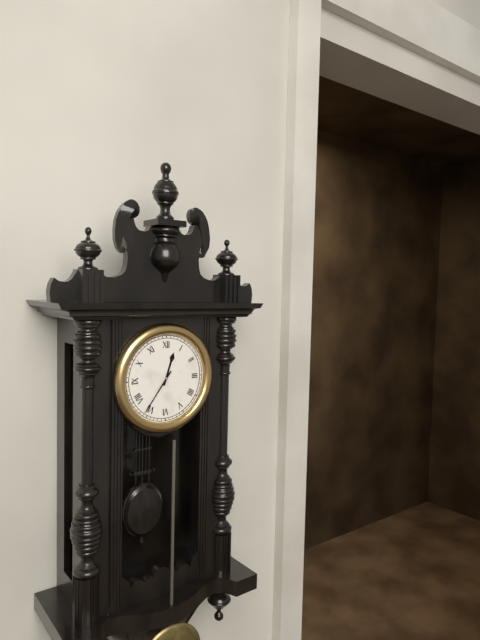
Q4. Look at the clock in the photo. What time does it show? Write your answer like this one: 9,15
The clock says 12,36
